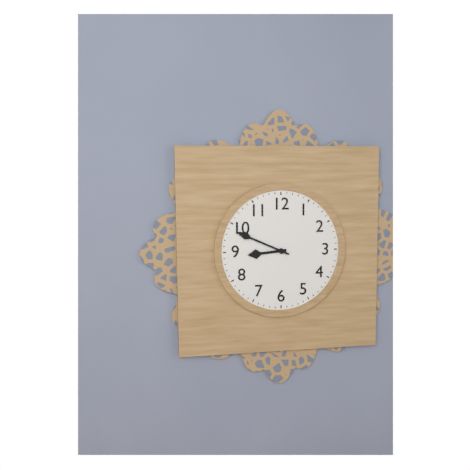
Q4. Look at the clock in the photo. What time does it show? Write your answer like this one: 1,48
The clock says 8,49
